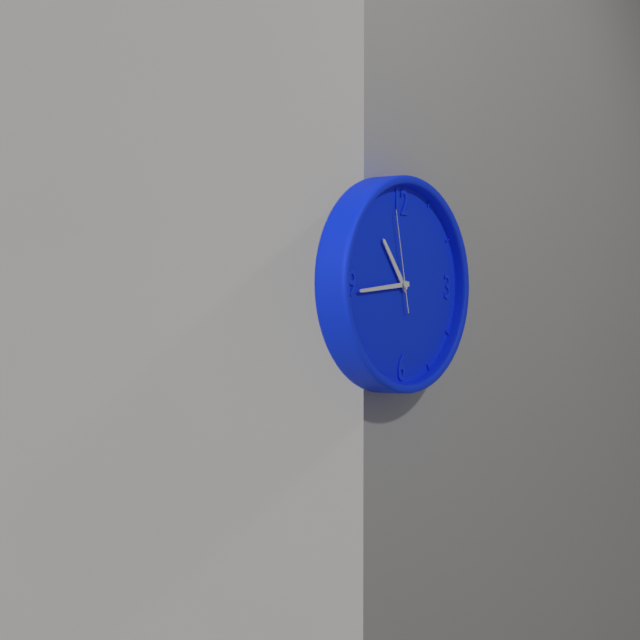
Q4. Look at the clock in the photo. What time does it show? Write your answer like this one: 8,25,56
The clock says 10,44,58
